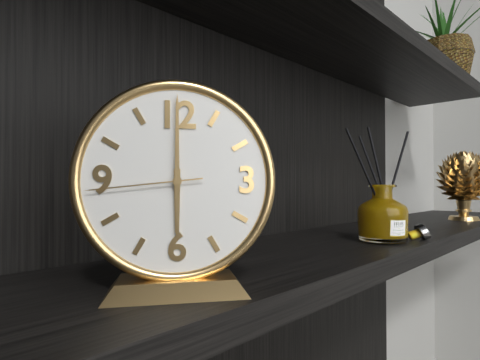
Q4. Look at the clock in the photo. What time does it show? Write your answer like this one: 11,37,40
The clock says 6,00,44
